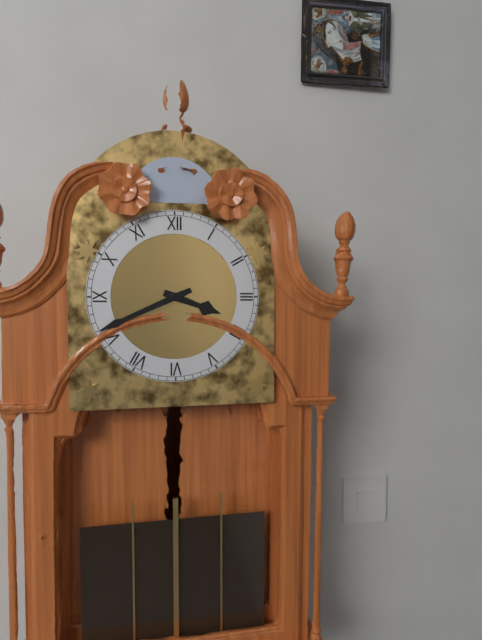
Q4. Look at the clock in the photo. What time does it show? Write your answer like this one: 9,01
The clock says 3,41
